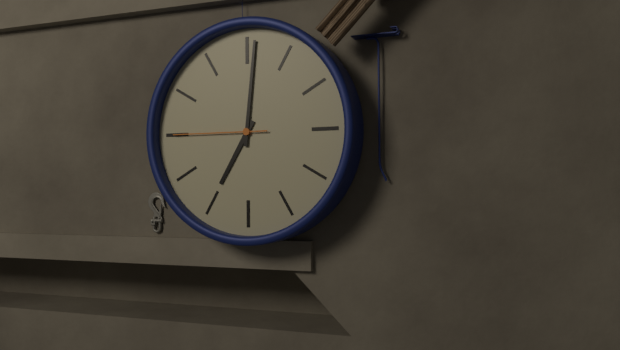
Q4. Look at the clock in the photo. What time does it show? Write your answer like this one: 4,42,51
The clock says 7,01,45
